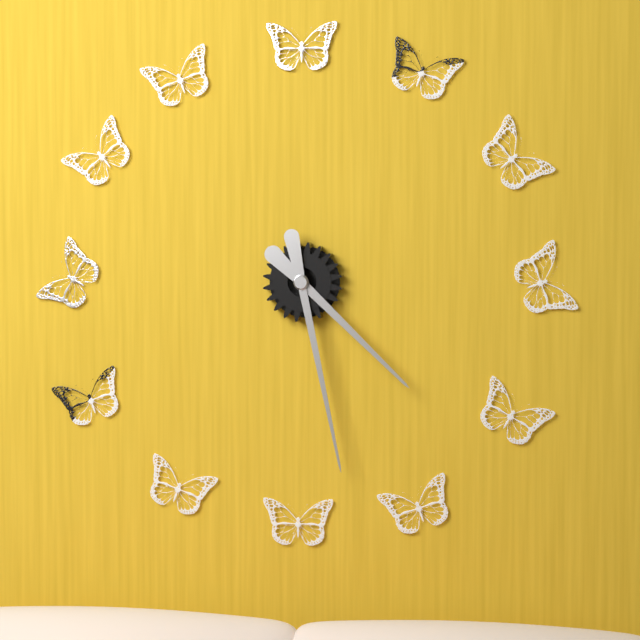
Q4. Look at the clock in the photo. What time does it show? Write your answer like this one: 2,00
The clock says 4,28
